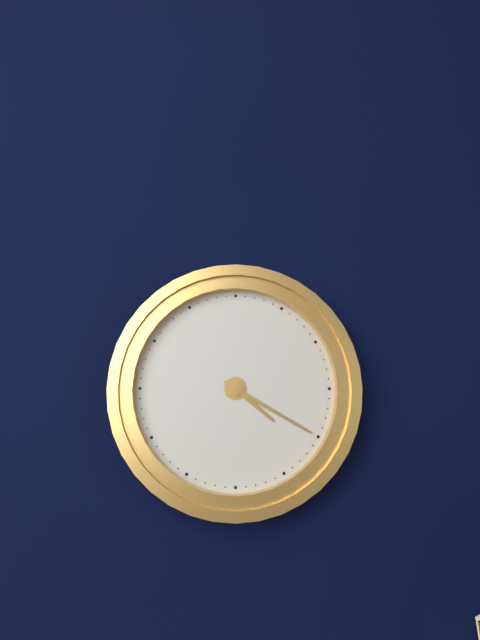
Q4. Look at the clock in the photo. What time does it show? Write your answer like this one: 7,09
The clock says 4,20
